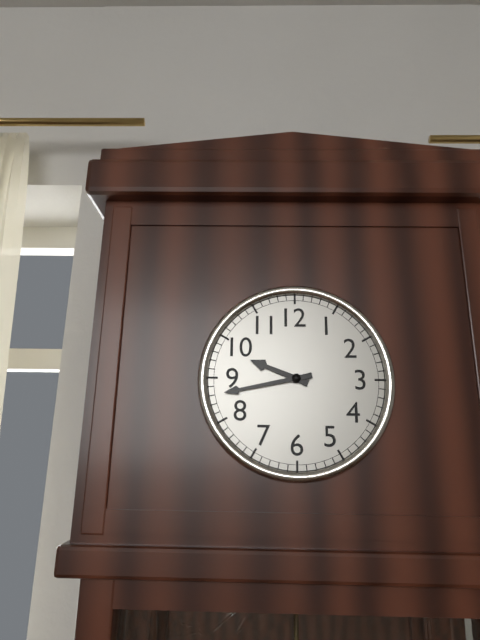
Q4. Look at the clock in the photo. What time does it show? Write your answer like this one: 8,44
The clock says 9,43
